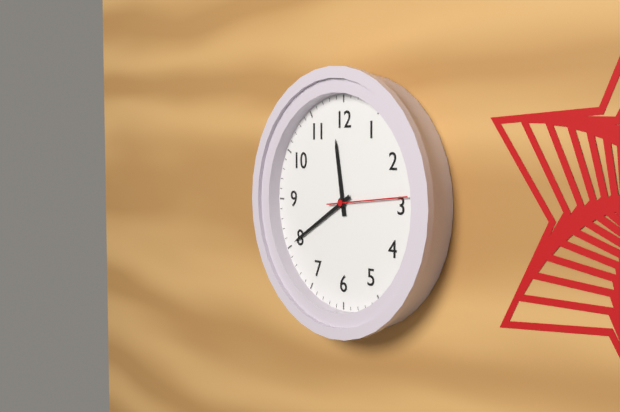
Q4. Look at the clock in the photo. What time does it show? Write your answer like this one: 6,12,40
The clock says 11,40,14
